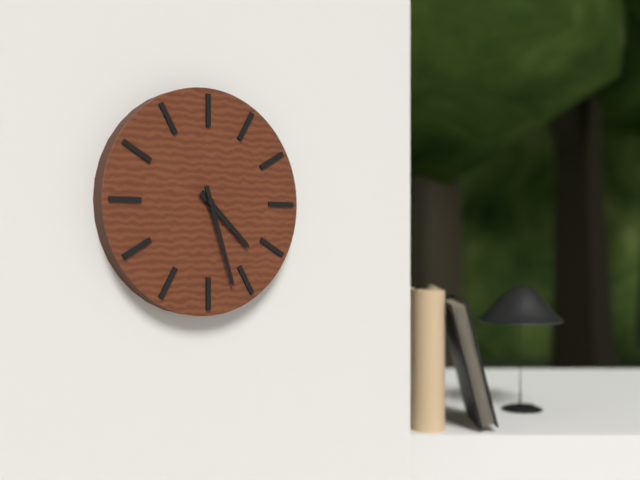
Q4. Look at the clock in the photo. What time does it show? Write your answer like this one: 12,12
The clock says 4,27
